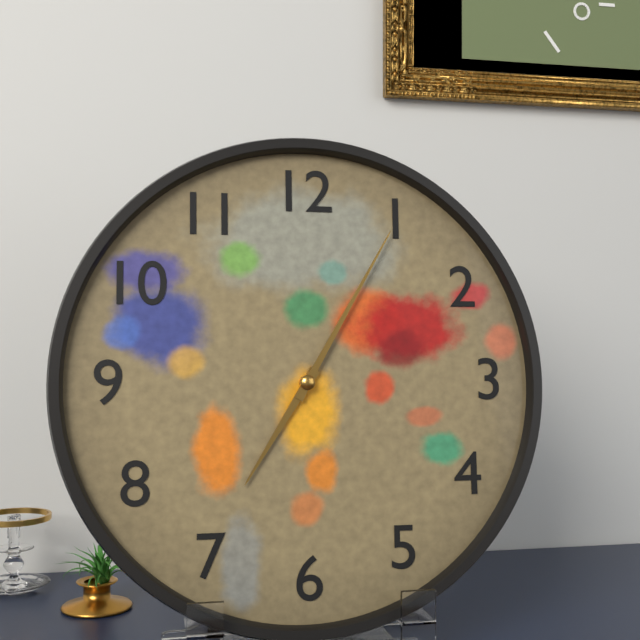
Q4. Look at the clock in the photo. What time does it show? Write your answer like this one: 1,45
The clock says 7,05
